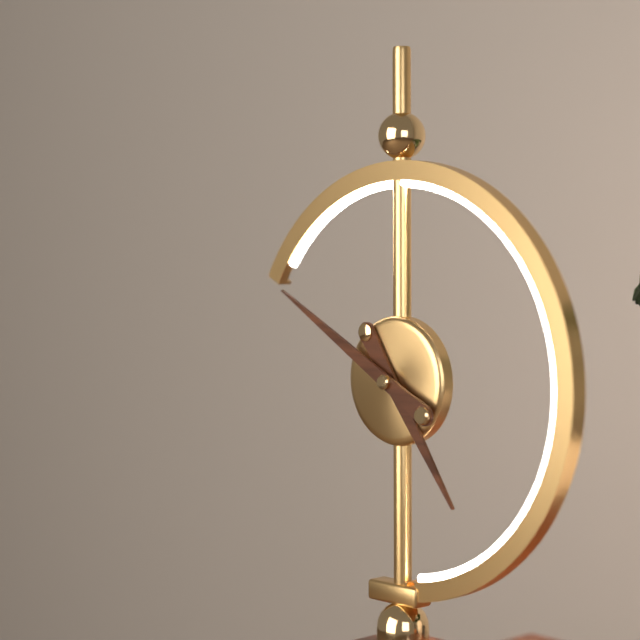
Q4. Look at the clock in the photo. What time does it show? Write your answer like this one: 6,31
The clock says 4,50
